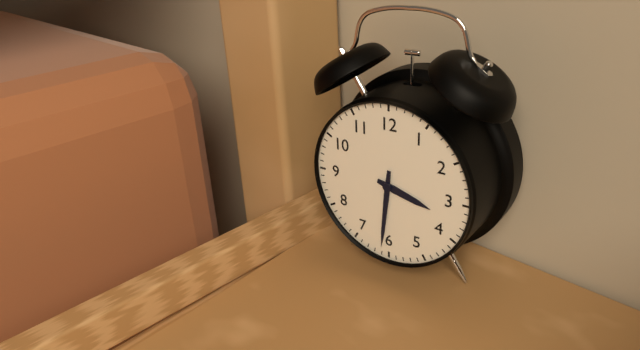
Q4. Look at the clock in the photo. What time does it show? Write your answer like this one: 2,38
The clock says 3,31
